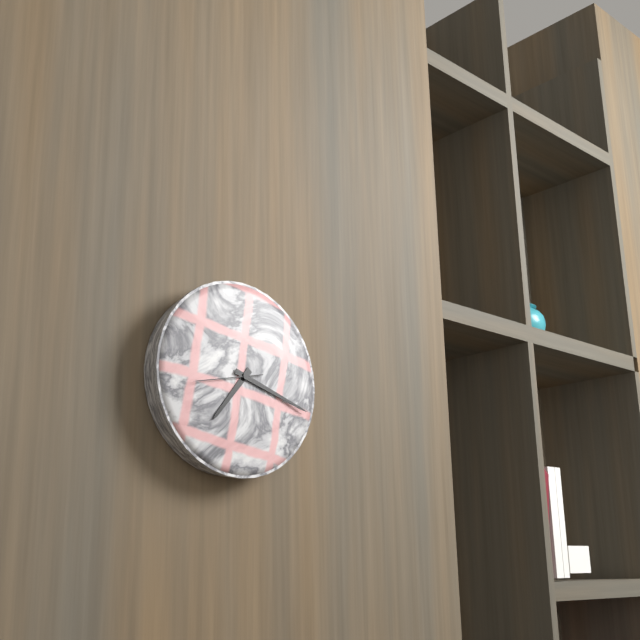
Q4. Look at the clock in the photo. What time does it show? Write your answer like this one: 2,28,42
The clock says 7,18,43
